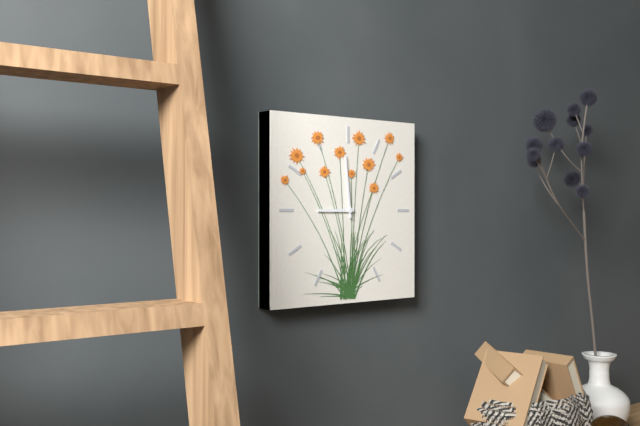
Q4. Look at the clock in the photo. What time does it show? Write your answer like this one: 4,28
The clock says 8,59
